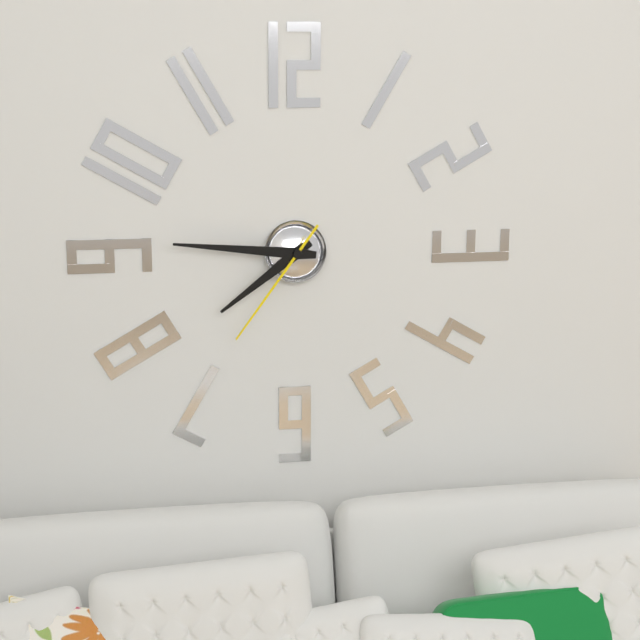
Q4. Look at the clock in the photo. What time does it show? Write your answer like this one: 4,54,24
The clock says 7,46,36
